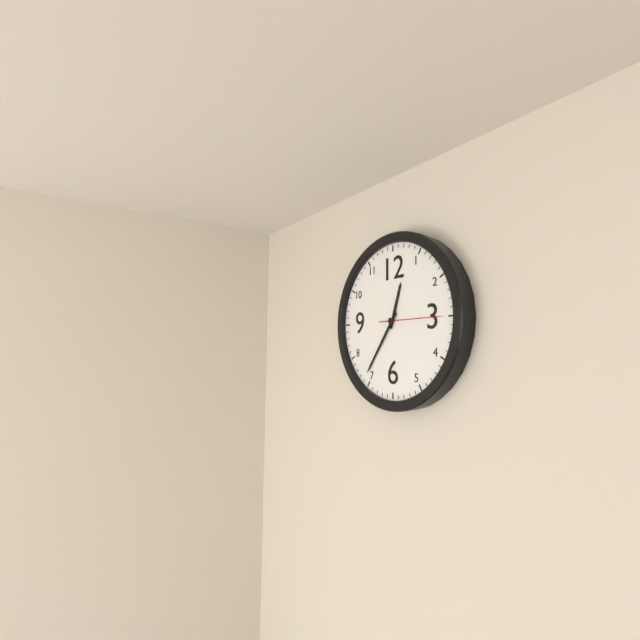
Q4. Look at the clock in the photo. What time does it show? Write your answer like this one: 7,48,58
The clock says 12,36,15
